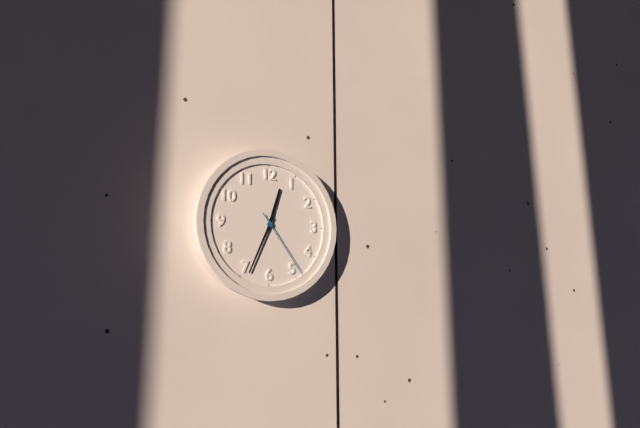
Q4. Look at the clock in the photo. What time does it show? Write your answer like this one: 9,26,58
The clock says 12,34,24
